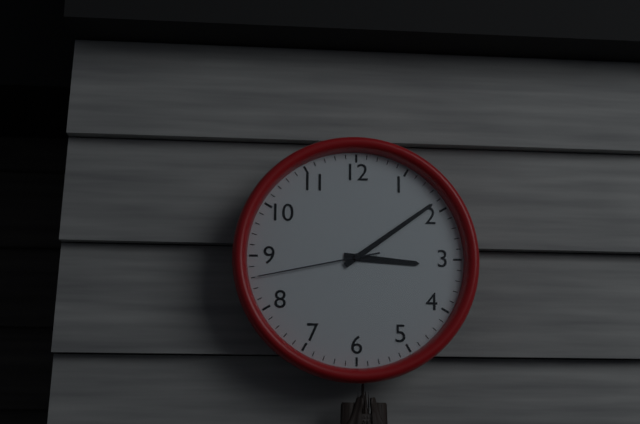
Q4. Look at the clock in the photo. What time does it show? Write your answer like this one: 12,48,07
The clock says 3,09,43
